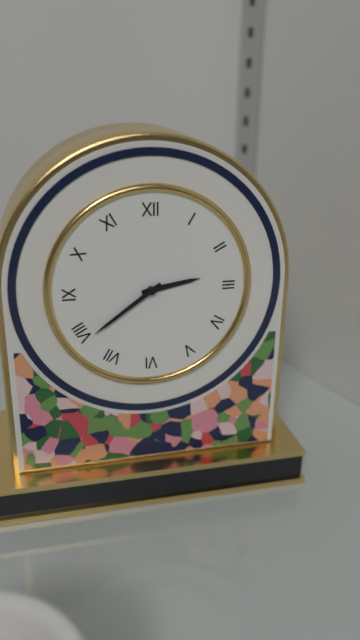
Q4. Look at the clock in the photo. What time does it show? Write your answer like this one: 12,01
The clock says 2,39
